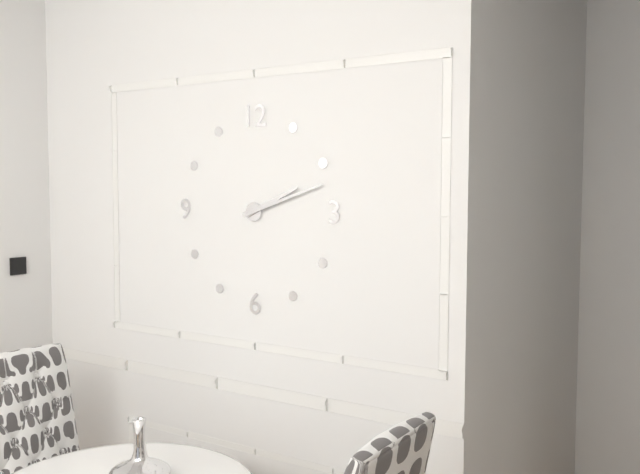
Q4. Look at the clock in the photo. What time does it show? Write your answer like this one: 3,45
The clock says 2,12
